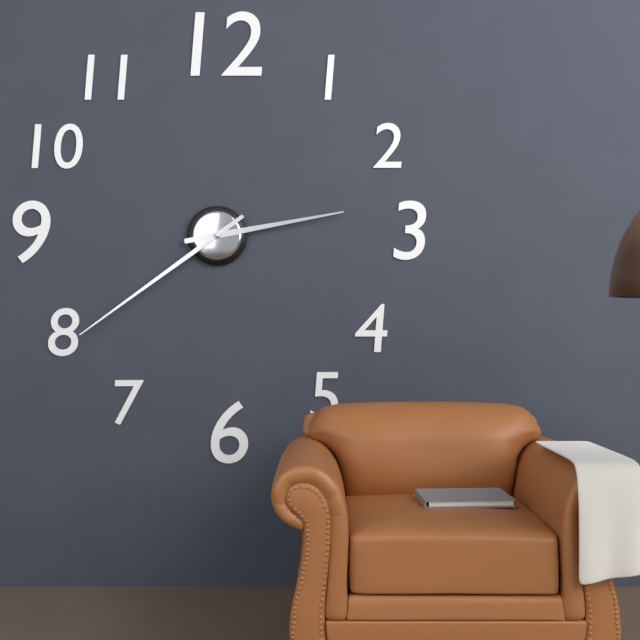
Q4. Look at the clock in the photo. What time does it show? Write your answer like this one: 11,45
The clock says 2,39
